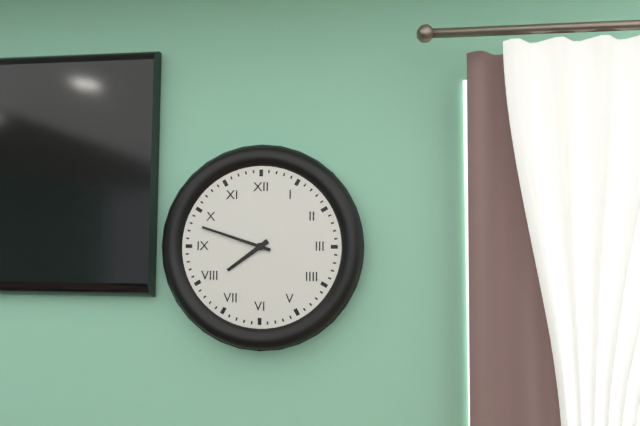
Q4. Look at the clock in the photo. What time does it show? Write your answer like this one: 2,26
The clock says 7,48
